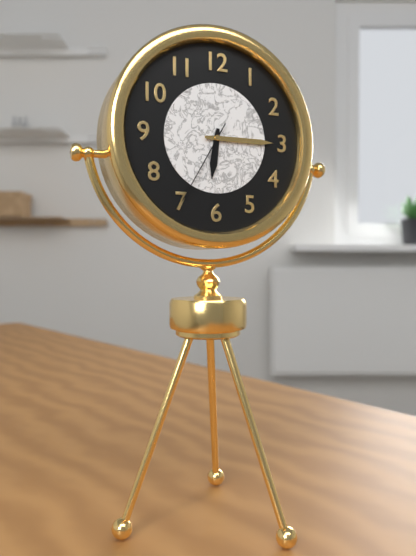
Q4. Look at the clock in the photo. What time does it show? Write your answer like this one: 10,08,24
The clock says 6,15,35
